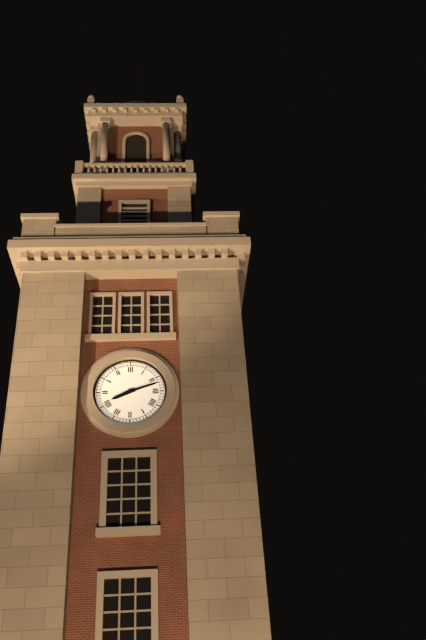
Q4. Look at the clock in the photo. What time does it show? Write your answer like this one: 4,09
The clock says 8,12
